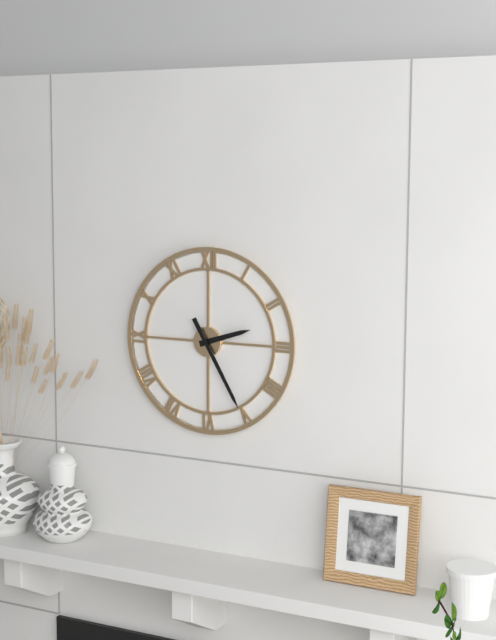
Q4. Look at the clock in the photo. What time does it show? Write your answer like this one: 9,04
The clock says 2,25
